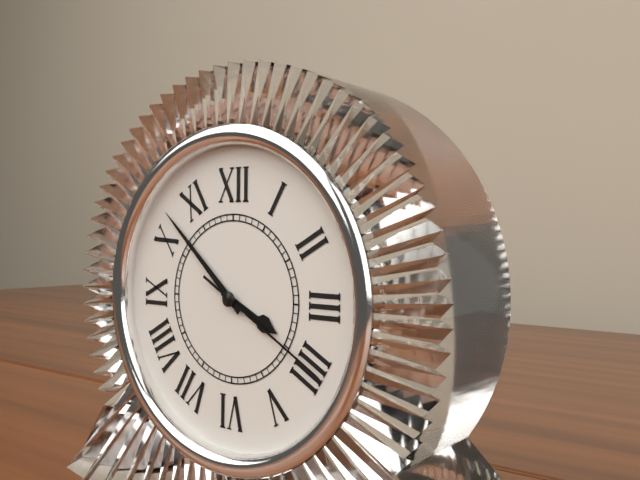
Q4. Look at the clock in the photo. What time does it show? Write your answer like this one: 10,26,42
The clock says 3,52,20
